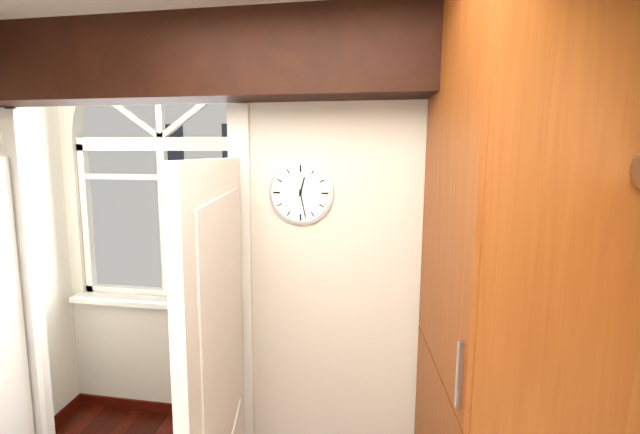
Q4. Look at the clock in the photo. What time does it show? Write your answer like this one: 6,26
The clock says 12,28
